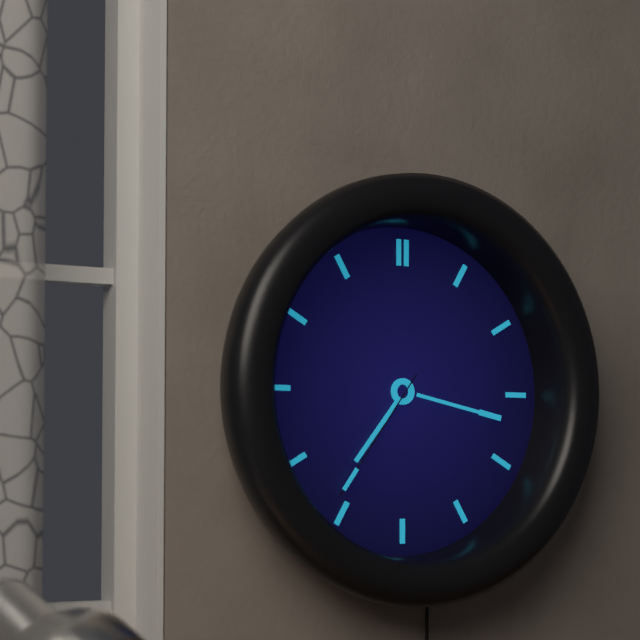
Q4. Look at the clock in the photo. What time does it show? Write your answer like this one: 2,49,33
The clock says 7,17,36
